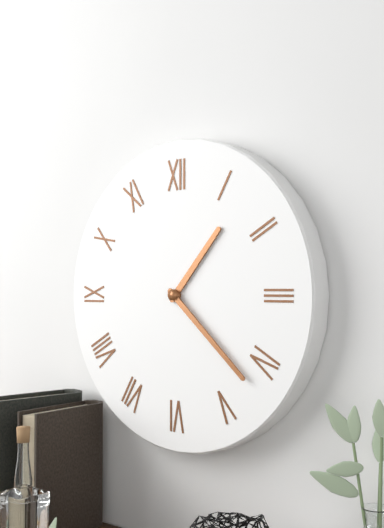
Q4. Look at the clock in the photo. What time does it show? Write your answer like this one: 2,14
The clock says 1,22
